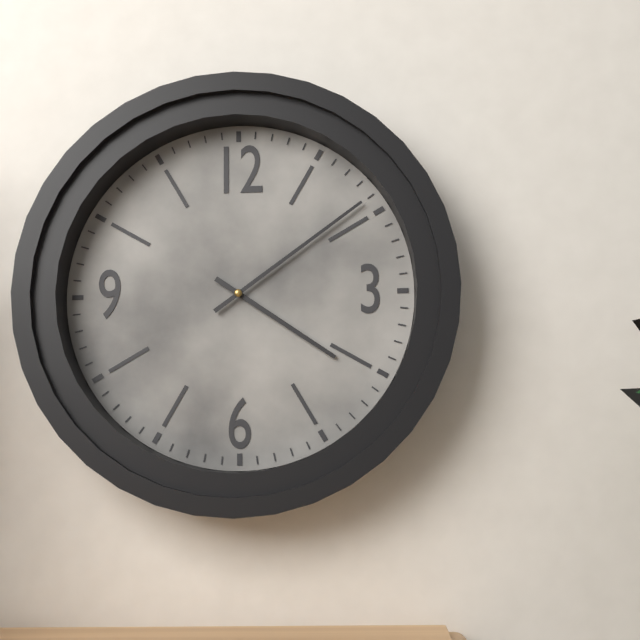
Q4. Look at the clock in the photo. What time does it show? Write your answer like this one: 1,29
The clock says 4,09
